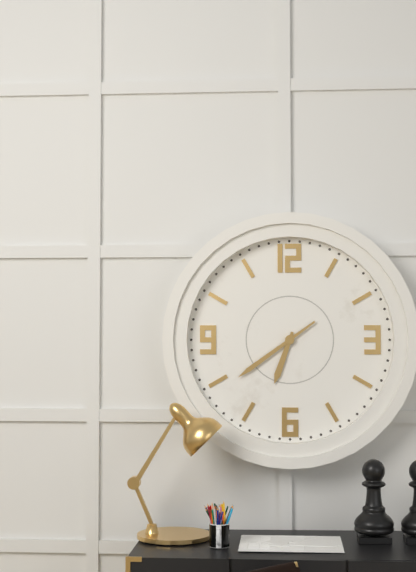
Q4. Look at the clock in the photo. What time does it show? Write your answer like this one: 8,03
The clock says 6,39
